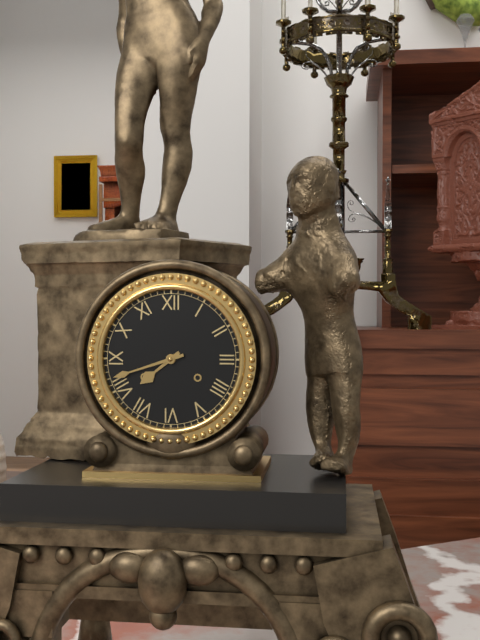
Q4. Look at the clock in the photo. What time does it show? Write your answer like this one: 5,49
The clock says 7,42
